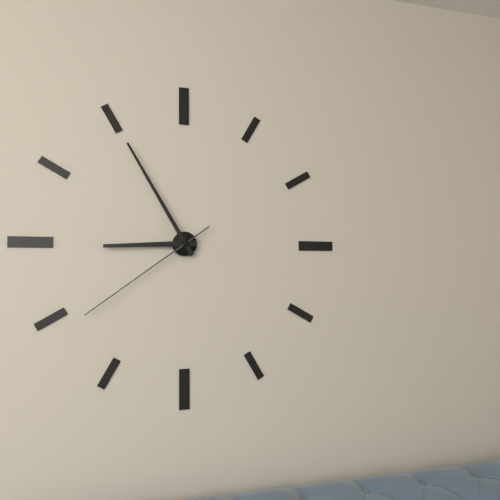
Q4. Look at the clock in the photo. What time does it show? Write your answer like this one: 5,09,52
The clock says 8,55,39
